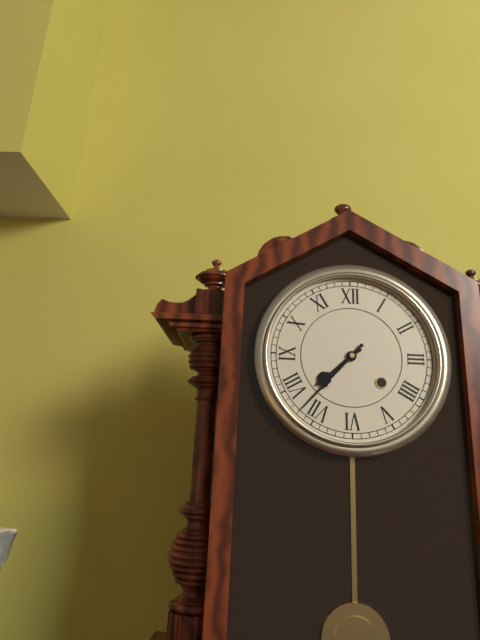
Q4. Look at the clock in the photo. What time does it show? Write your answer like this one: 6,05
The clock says 7,37
